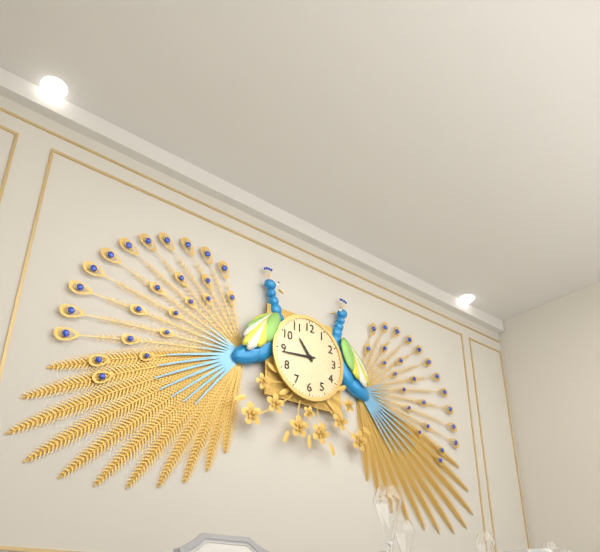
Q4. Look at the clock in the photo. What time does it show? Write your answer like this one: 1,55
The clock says 10,44
